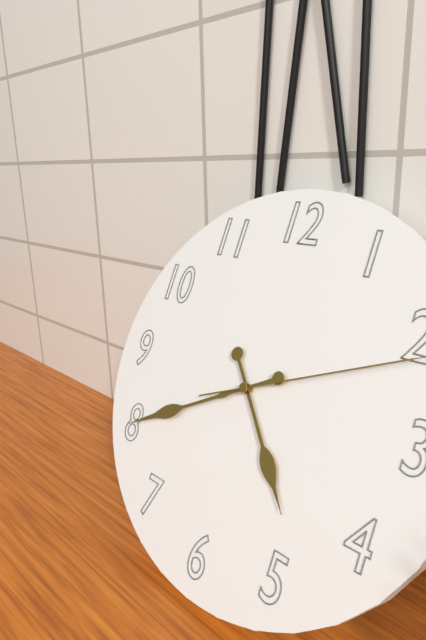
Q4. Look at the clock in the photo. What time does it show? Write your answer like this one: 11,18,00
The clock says 4,40,11
